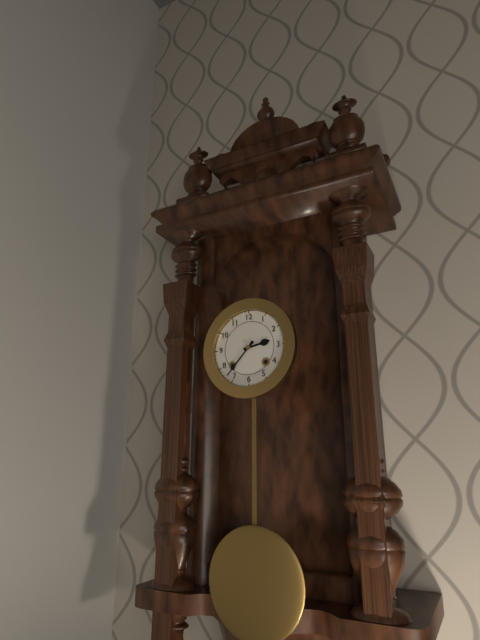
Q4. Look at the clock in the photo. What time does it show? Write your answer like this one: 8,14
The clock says 2,37
